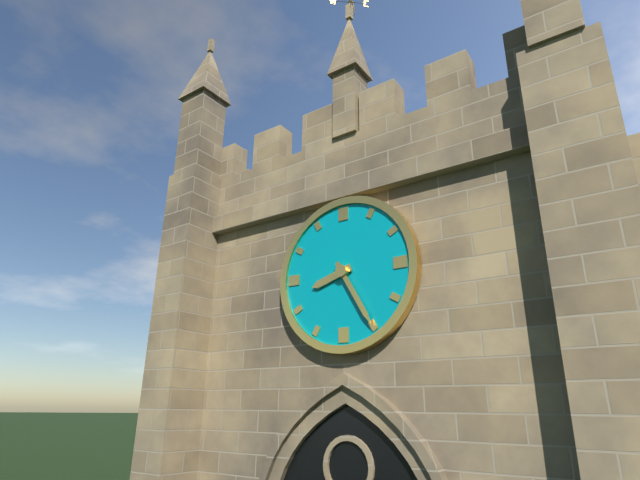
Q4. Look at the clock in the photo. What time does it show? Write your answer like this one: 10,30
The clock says 8,25
